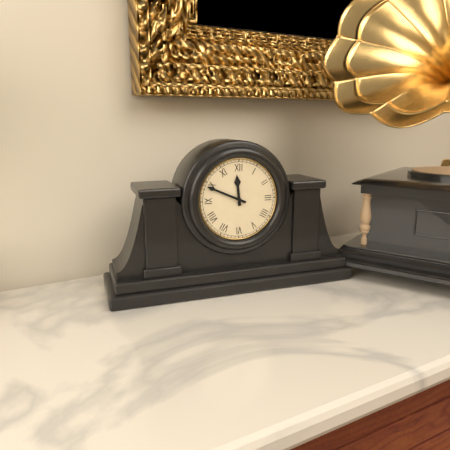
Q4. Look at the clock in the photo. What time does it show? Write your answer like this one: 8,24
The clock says 11,49
